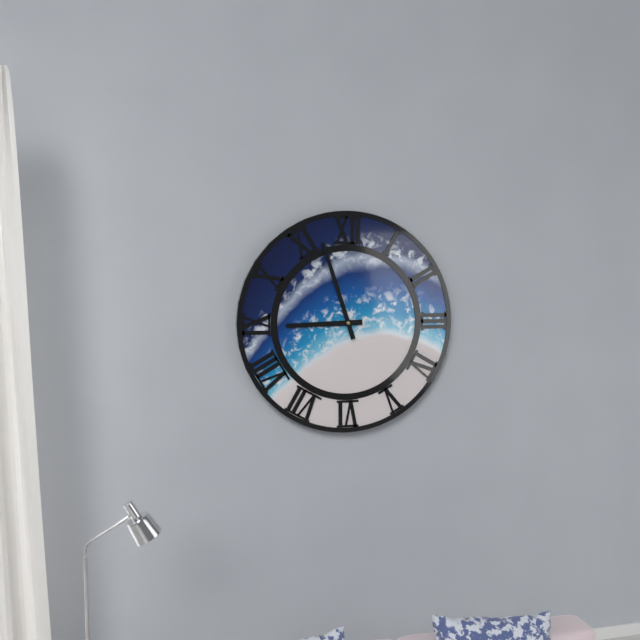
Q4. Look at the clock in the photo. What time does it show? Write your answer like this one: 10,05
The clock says 8,57
